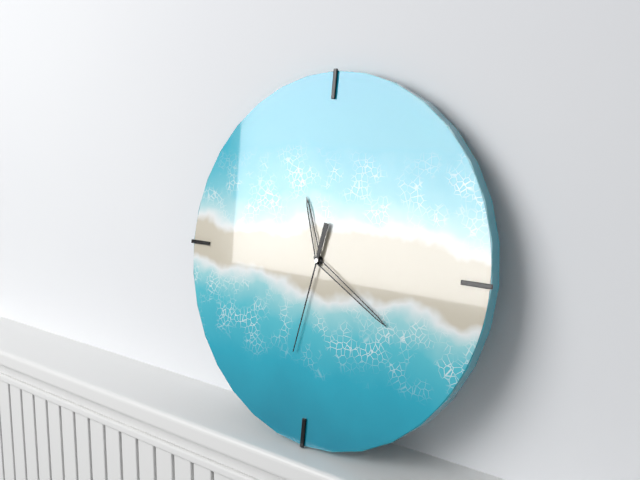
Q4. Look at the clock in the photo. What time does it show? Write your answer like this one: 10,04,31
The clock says 11,20,32
